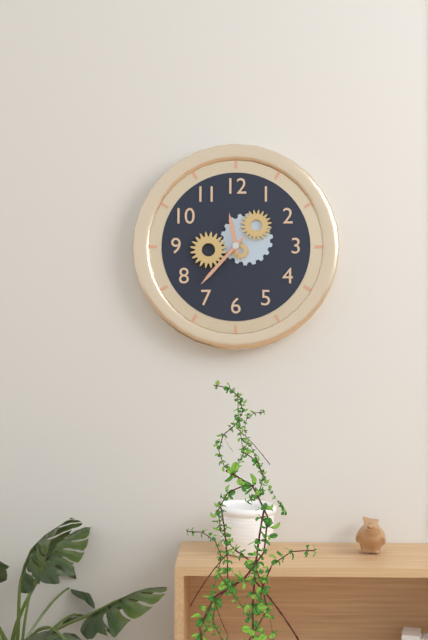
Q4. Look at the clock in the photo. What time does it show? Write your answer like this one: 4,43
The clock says 11,37
